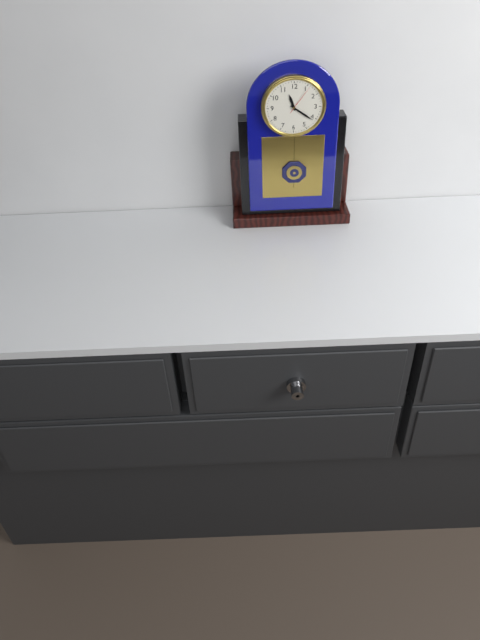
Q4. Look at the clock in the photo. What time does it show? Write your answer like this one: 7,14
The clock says 11,21
